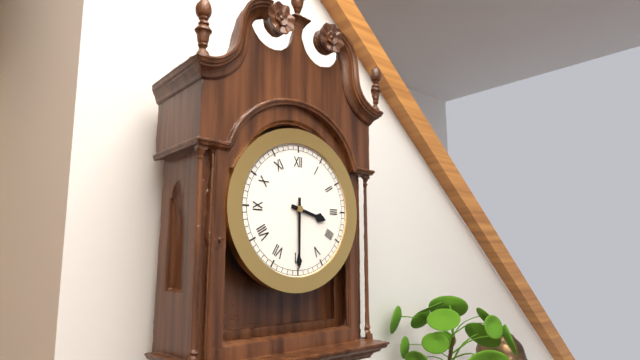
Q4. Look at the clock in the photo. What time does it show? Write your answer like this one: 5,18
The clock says 3,30
